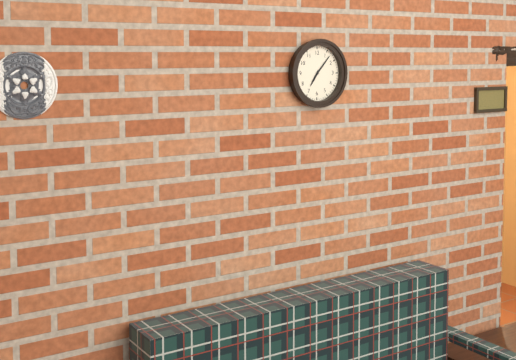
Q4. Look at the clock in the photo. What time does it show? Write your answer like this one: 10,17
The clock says 7,07
